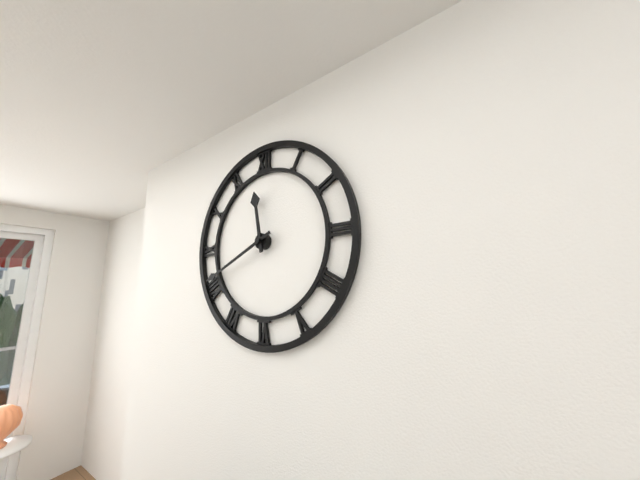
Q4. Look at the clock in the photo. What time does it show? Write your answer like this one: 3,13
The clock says 11,41
